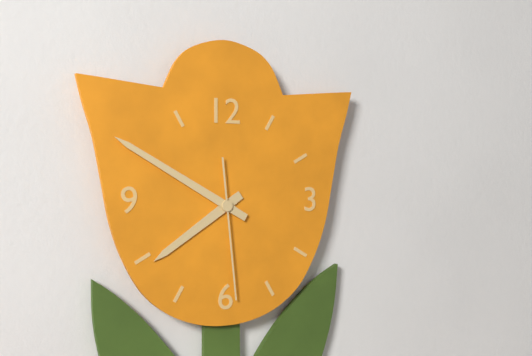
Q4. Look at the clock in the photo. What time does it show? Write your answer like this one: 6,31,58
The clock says 7,50,29
